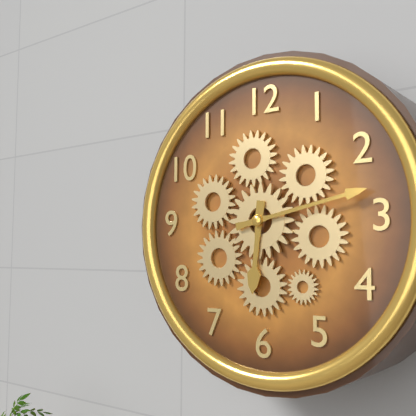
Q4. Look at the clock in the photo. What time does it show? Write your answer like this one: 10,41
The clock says 6,13
